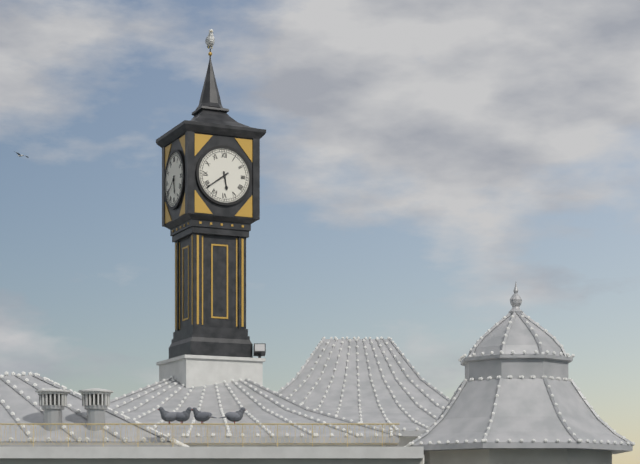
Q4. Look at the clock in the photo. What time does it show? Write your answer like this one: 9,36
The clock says 5,39
